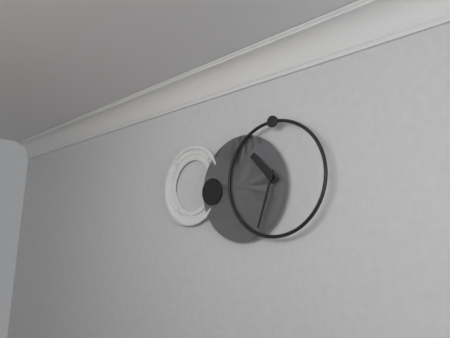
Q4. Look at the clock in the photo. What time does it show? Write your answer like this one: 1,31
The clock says 10,33
